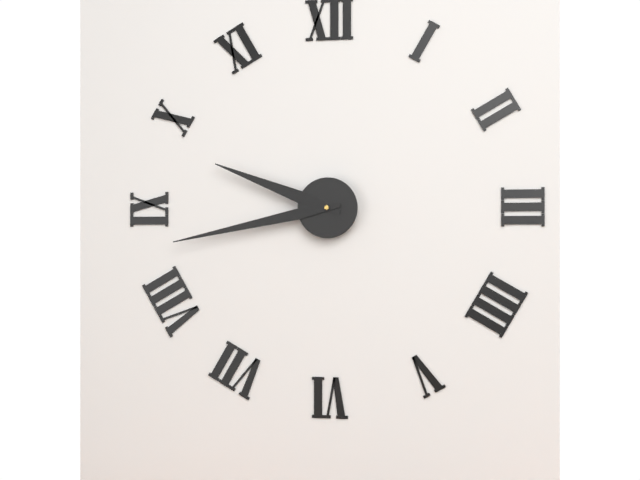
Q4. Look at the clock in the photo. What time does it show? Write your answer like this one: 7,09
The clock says 9,43
